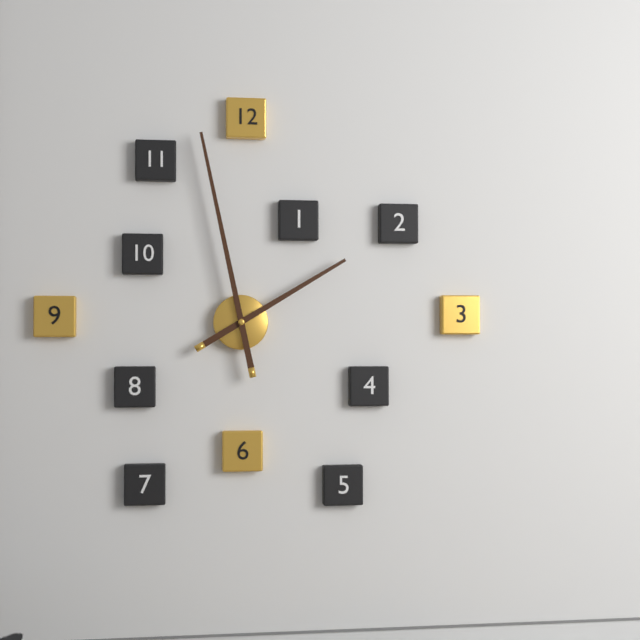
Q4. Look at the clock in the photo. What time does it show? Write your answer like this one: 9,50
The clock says 1,58
